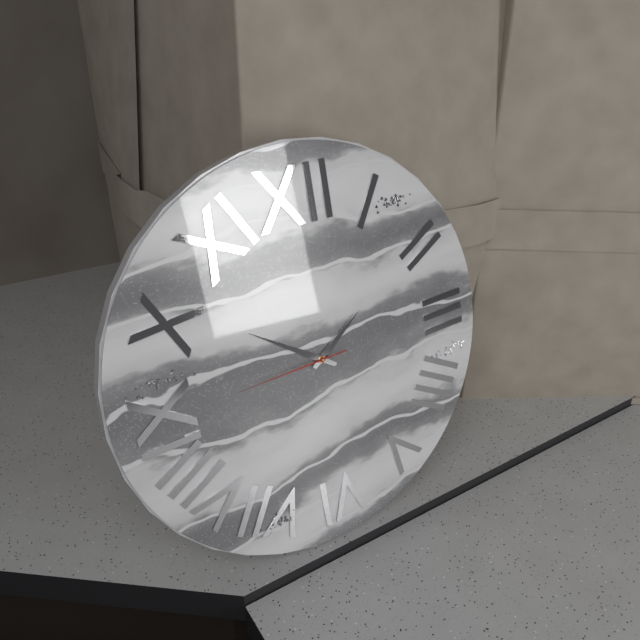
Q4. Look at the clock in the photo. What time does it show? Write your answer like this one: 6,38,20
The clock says 1,51,45
